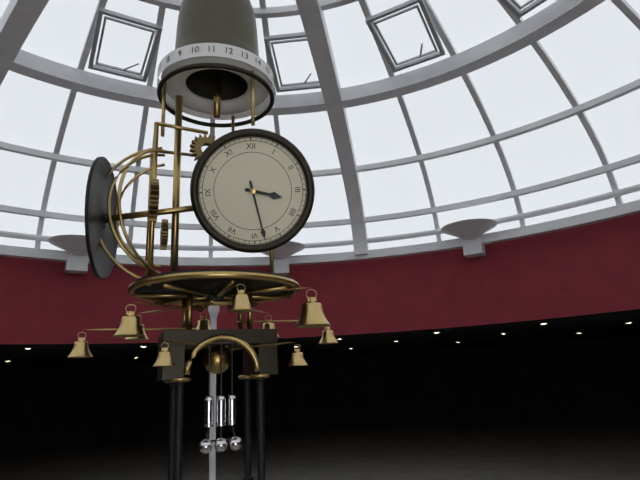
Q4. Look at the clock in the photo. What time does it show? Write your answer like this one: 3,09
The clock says 3,28
